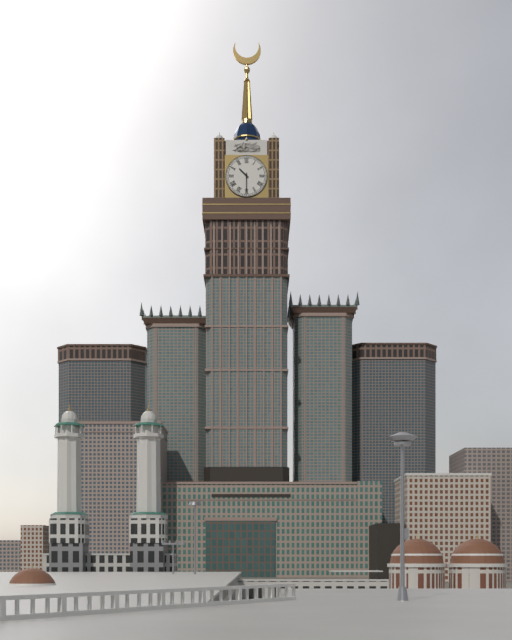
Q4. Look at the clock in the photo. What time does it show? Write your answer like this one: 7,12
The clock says 10,30
